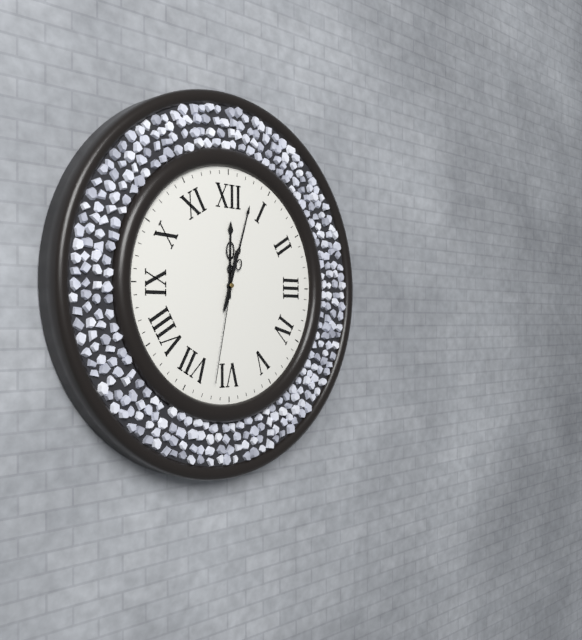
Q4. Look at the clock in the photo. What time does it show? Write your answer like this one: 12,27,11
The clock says 12,03,32
